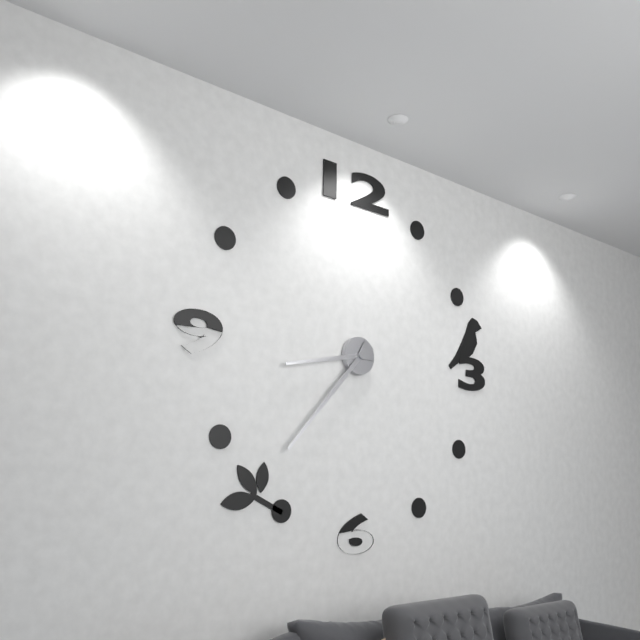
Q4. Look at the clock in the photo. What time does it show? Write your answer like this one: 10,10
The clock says 8,37
